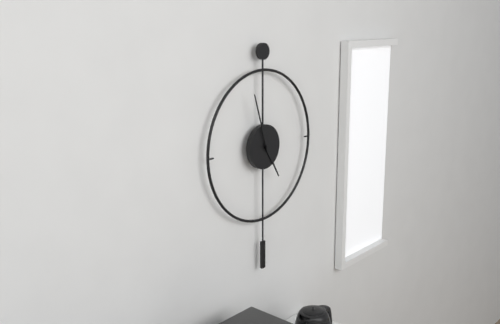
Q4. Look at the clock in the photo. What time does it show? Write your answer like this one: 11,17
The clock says 4,57
